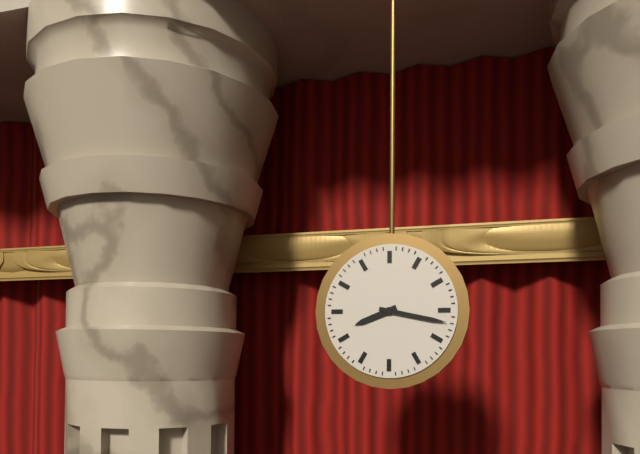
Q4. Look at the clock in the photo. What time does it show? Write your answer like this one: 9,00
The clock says 8,17
